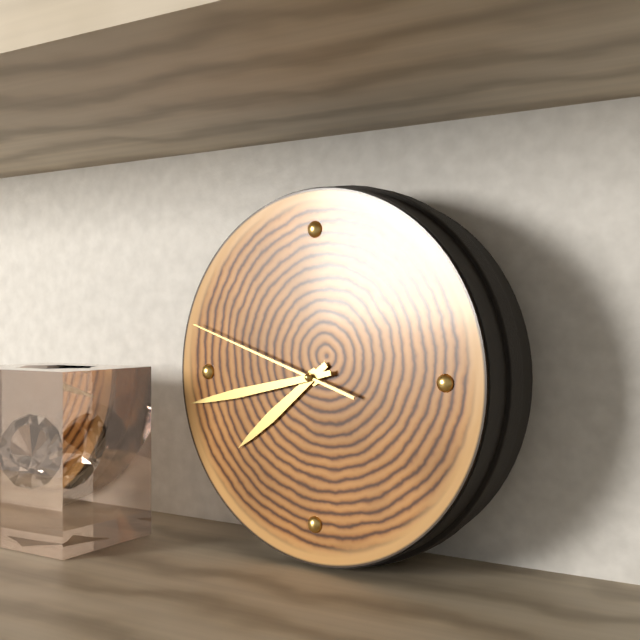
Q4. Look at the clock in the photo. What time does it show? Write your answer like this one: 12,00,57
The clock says 7,43,48
